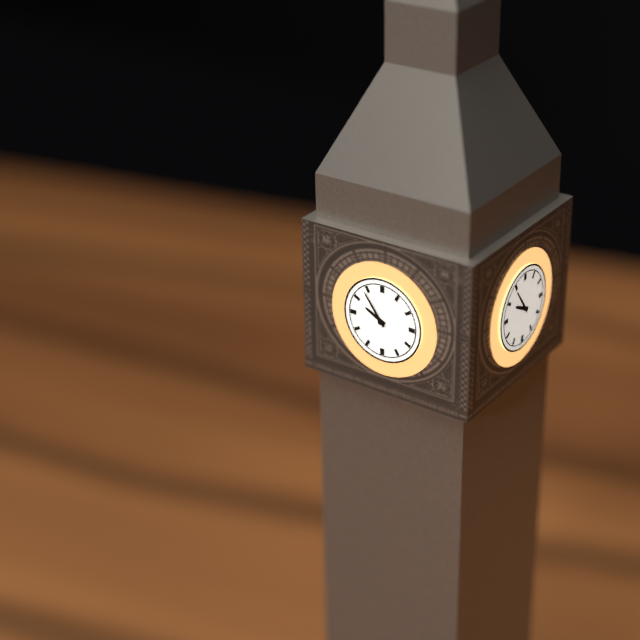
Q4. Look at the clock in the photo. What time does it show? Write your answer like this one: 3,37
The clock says 9,54
